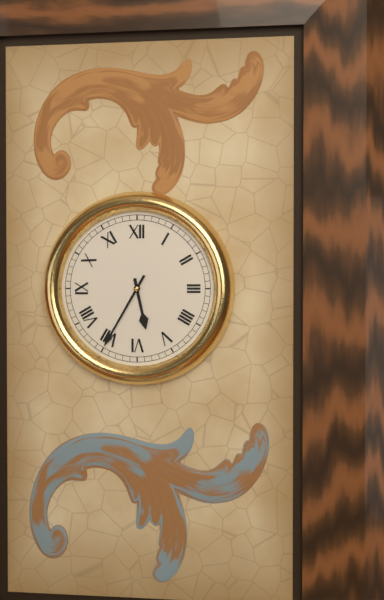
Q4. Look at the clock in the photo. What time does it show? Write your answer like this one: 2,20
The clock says 5,35
